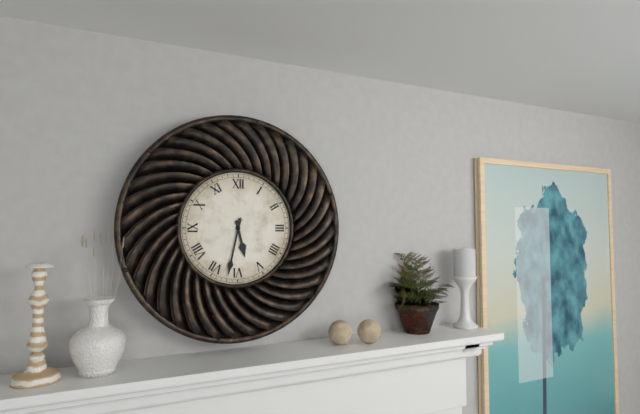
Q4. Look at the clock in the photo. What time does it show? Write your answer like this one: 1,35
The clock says 5,32
